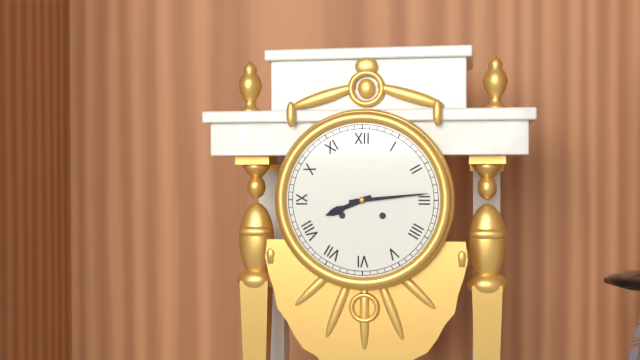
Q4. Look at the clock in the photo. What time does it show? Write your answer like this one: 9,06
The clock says 8,14
